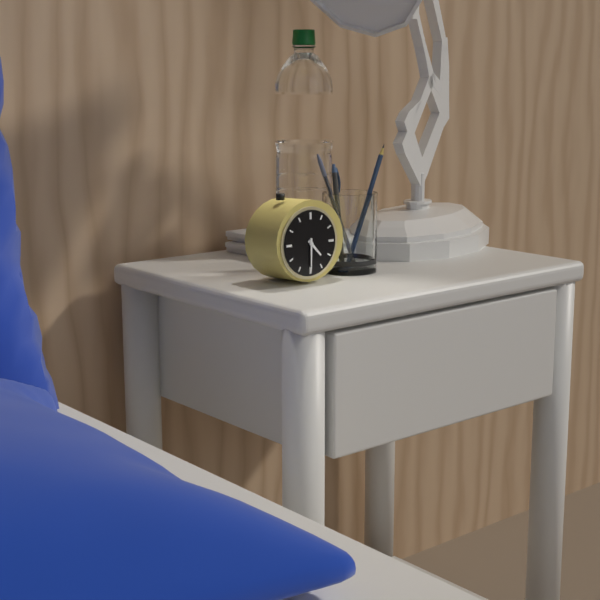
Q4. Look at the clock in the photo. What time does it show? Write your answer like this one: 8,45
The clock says 4,30
